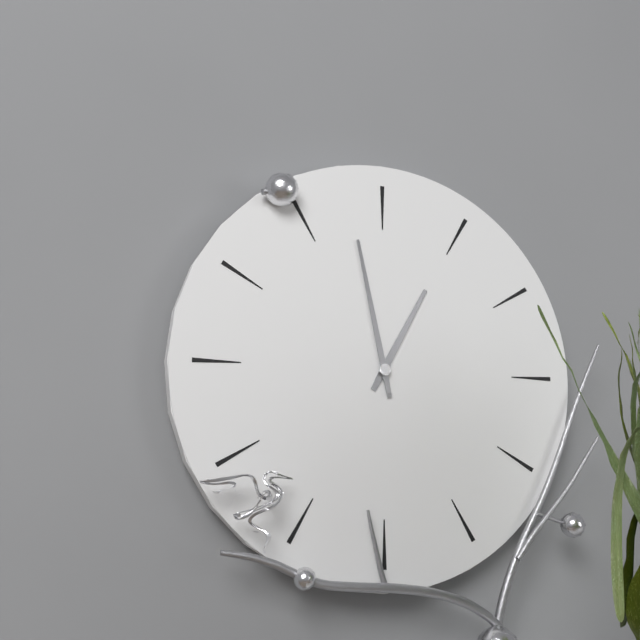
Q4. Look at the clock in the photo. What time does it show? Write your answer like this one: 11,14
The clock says 12,58
